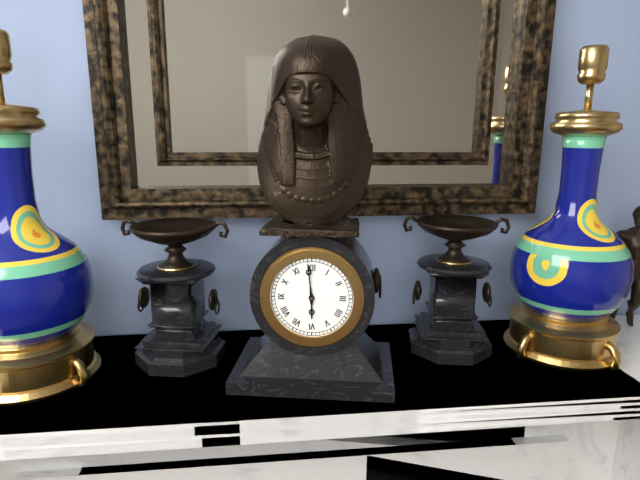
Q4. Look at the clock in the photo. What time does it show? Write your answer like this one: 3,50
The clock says 5,59
